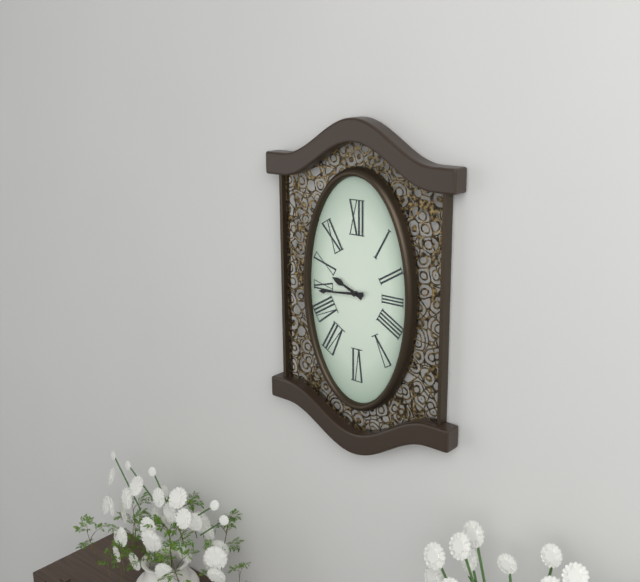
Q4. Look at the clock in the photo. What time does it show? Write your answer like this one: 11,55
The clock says 9,44
